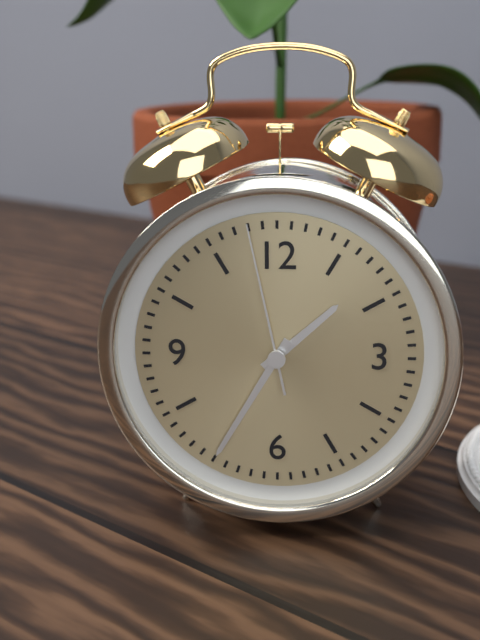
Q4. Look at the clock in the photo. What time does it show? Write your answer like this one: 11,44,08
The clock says 1,35,58
